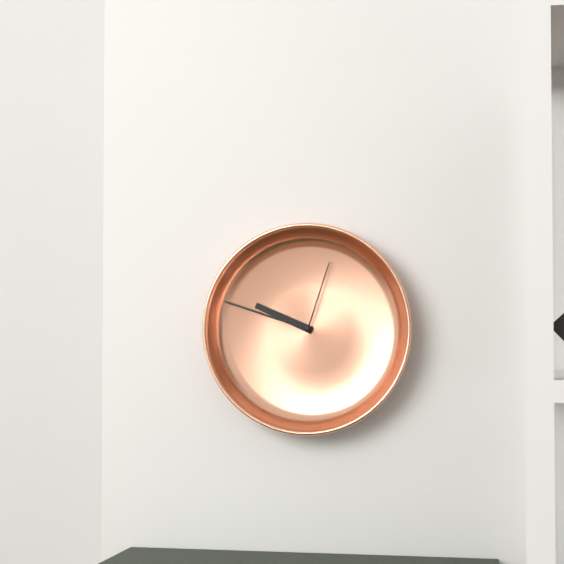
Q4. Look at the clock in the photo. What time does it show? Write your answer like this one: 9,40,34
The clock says 9,48,03
